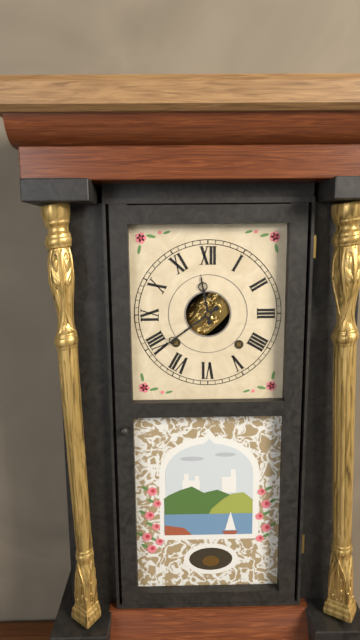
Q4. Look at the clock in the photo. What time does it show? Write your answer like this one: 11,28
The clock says 11,39
